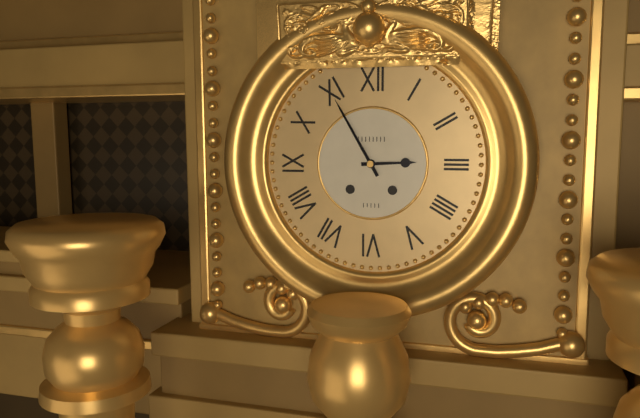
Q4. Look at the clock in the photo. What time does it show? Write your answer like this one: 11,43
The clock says 2,55
